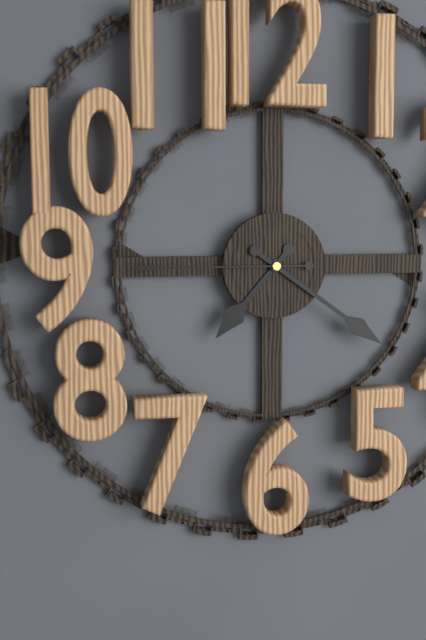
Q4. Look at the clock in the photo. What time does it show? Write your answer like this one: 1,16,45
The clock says 7,21,45
